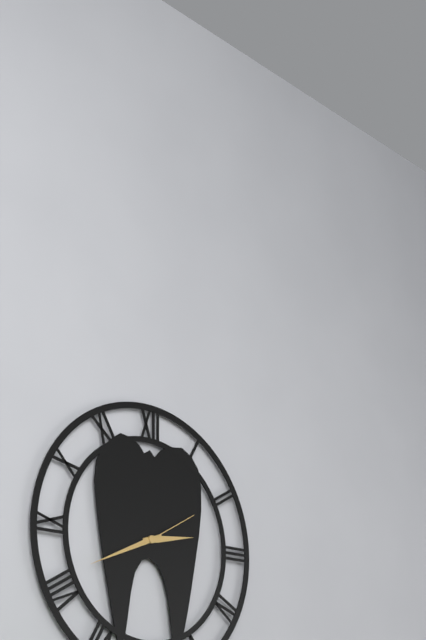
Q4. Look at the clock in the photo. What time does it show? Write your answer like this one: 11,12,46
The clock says 2,41,10
